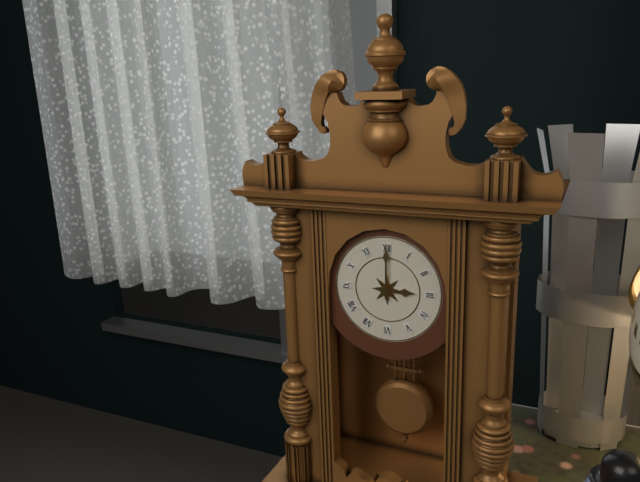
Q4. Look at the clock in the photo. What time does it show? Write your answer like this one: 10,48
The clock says 3,00
